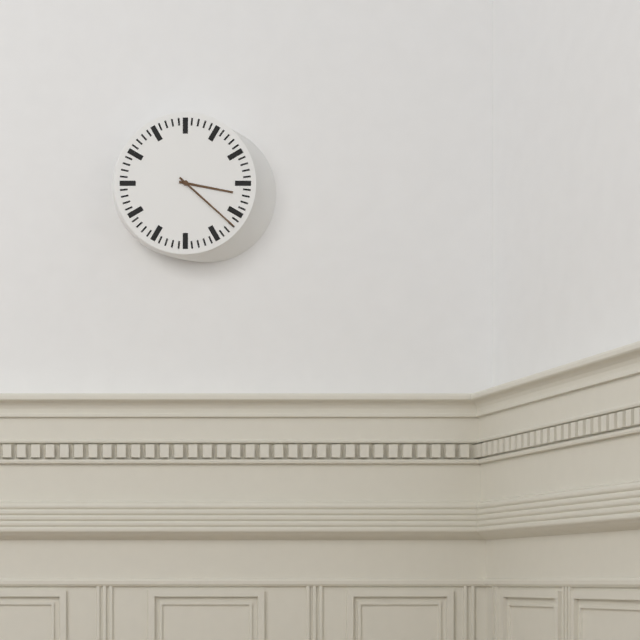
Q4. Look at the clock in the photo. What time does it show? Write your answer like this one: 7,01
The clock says 3,22
